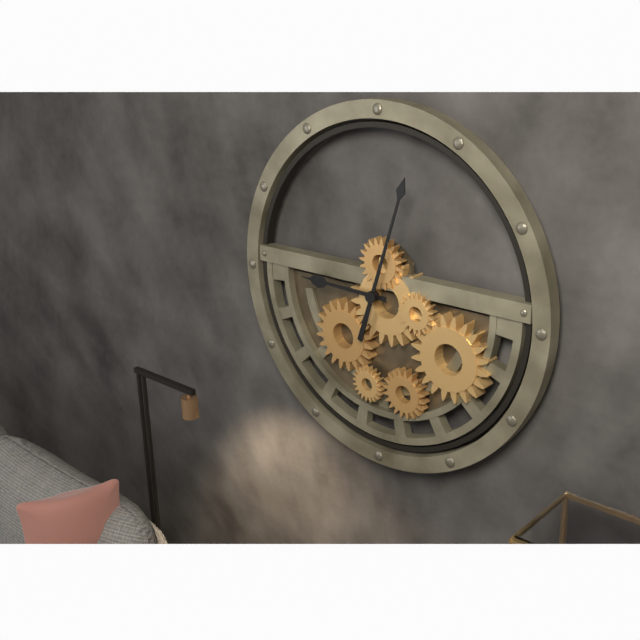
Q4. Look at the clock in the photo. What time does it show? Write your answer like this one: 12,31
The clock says 9,03
